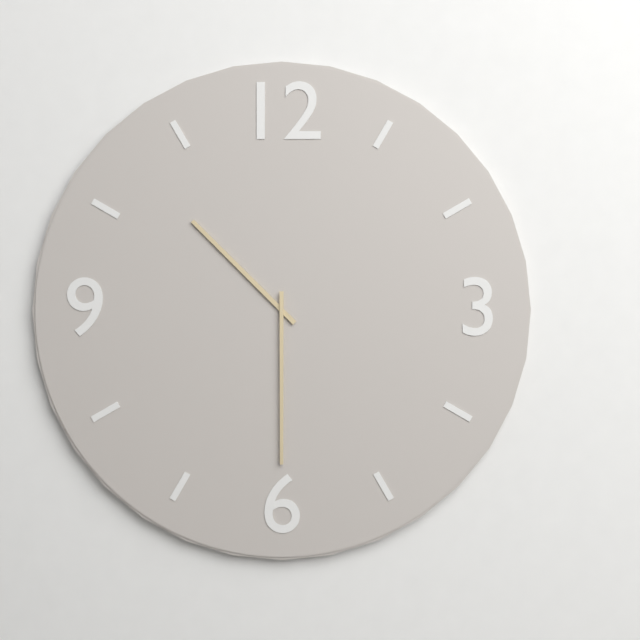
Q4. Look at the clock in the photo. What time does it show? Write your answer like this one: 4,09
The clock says 10,30
